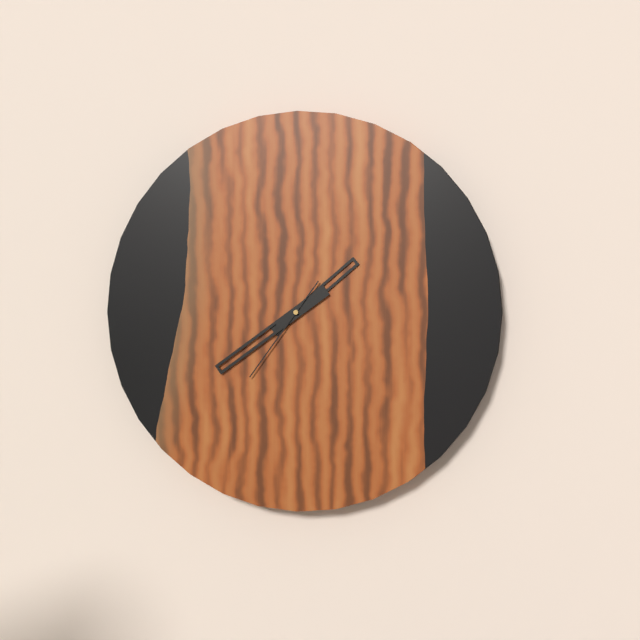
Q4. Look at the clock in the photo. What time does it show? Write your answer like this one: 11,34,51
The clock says 1,39,36
